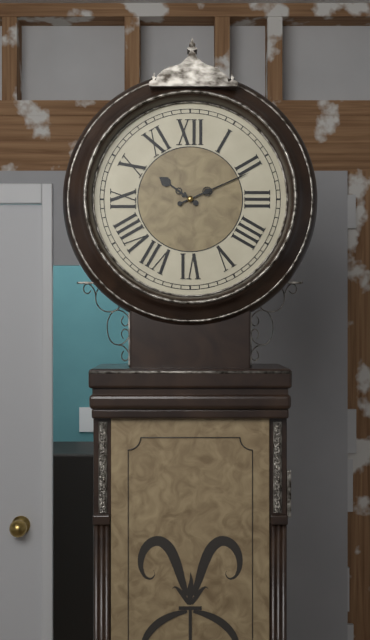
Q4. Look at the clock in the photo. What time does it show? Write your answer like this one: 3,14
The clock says 10,11
